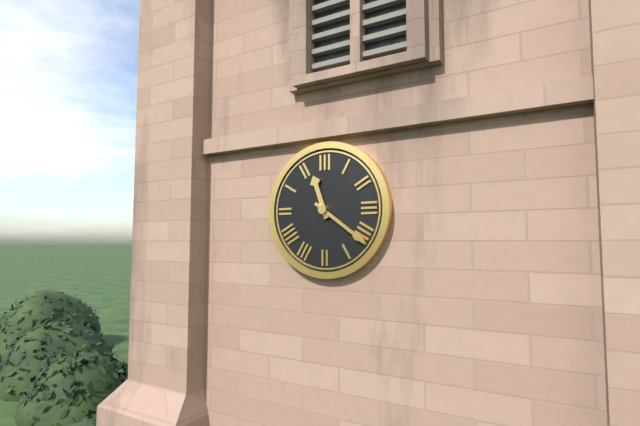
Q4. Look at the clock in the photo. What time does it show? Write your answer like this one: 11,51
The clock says 11,21
